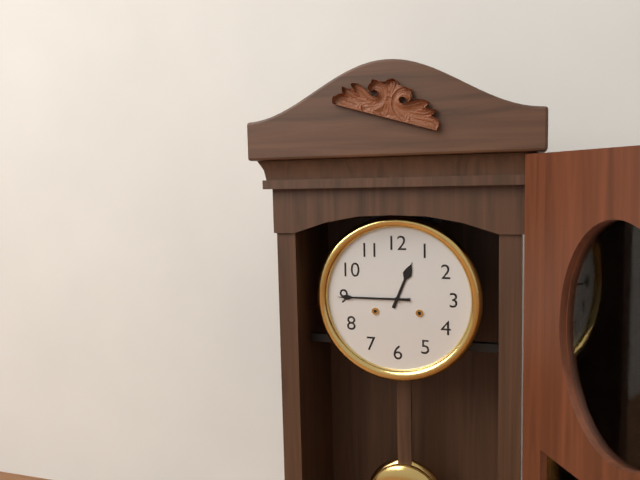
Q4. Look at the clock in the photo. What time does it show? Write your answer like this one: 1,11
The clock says 12,45
